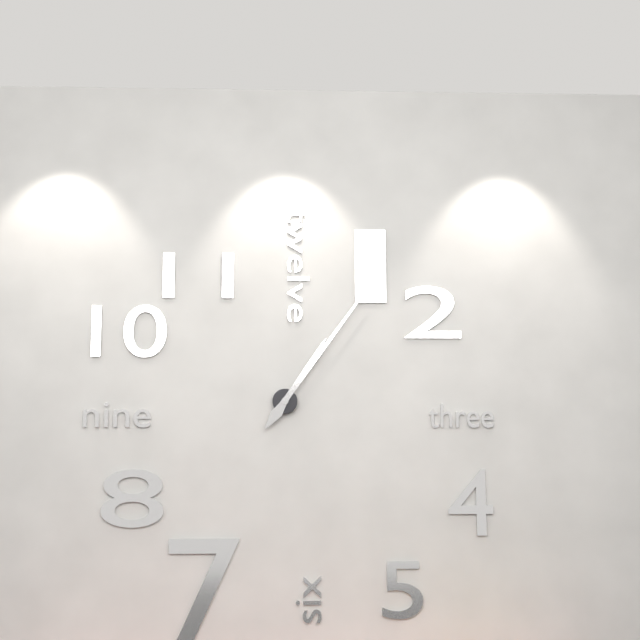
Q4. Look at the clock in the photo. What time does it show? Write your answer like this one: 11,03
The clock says 1,06
